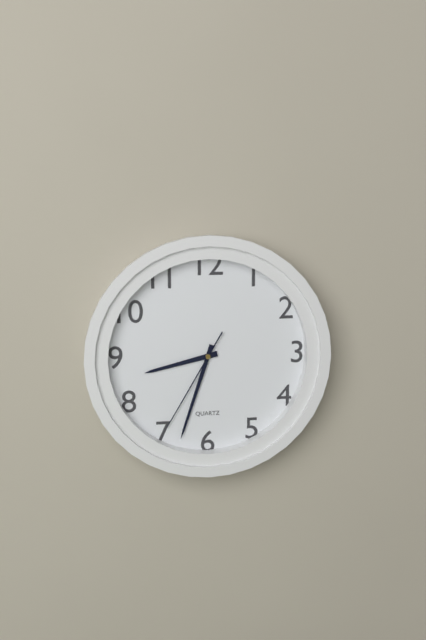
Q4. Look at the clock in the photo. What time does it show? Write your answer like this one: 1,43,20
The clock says 8,33,35
